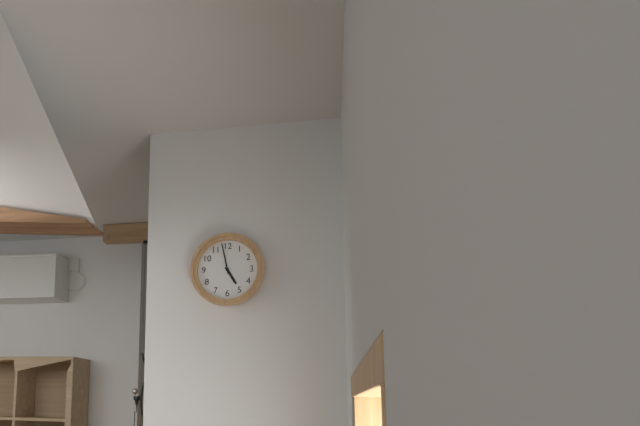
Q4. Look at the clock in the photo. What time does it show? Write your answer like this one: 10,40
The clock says 4,58
